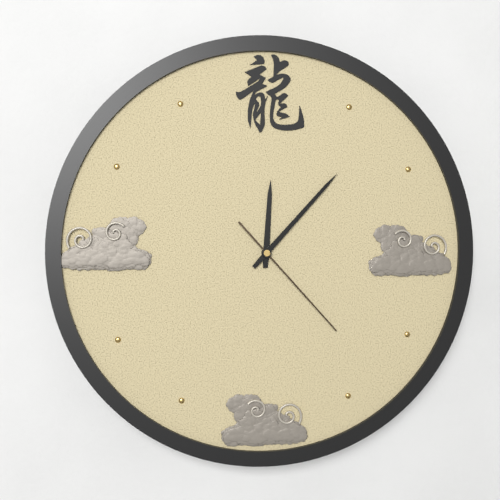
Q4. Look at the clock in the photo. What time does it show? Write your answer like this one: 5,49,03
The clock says 12,07,23
